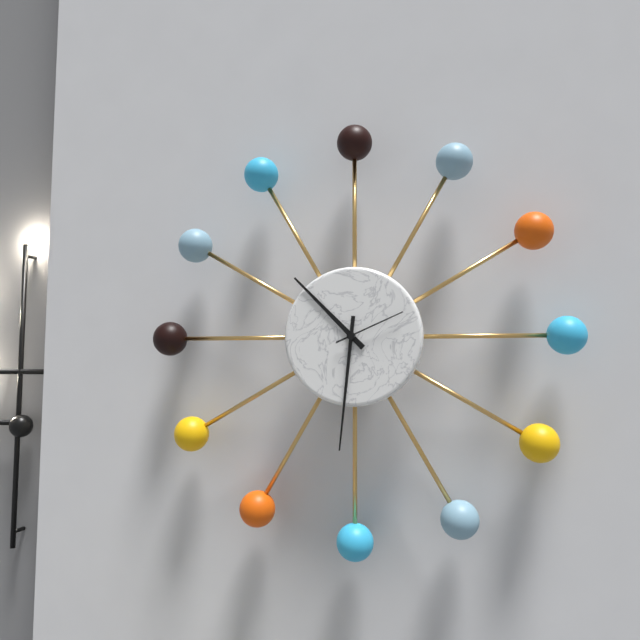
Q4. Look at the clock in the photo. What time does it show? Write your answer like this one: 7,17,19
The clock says 10,31,11
